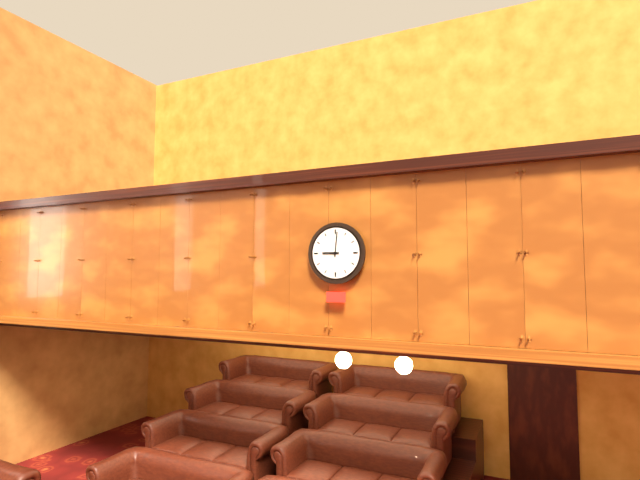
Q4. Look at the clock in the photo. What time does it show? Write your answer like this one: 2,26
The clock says 9,01
